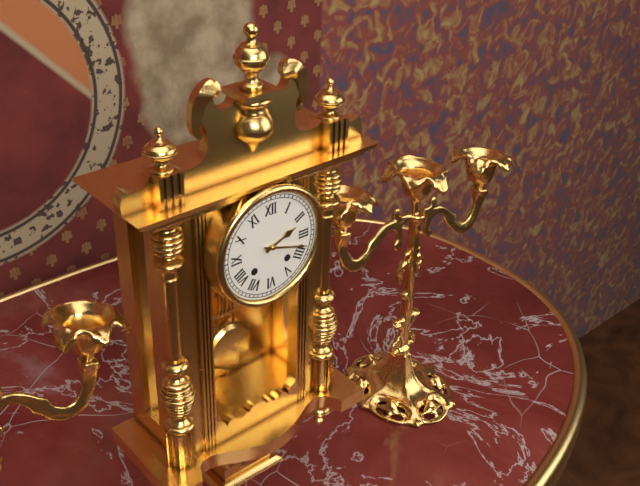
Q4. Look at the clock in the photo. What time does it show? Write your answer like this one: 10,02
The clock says 2,18
